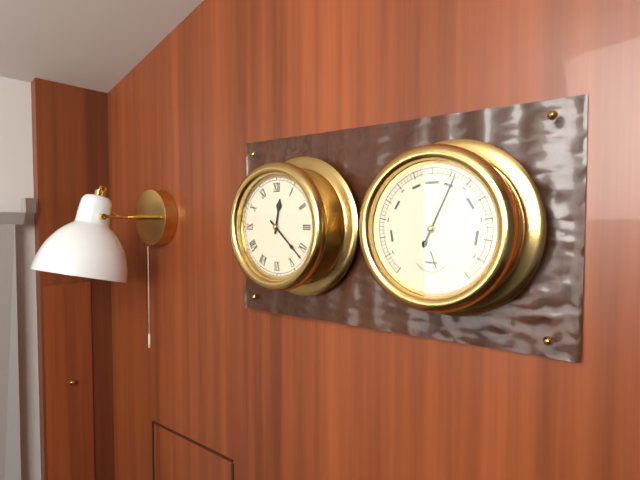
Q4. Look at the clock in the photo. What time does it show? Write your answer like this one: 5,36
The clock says 12,22
